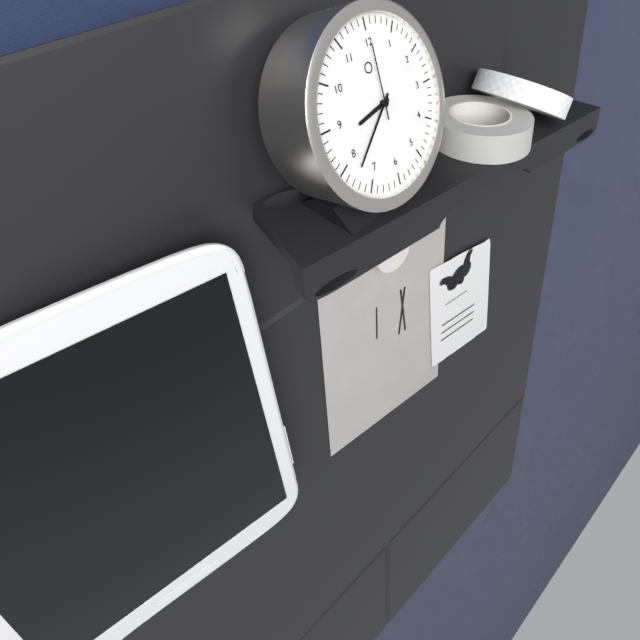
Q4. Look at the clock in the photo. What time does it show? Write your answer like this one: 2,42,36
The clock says 8,38,00
